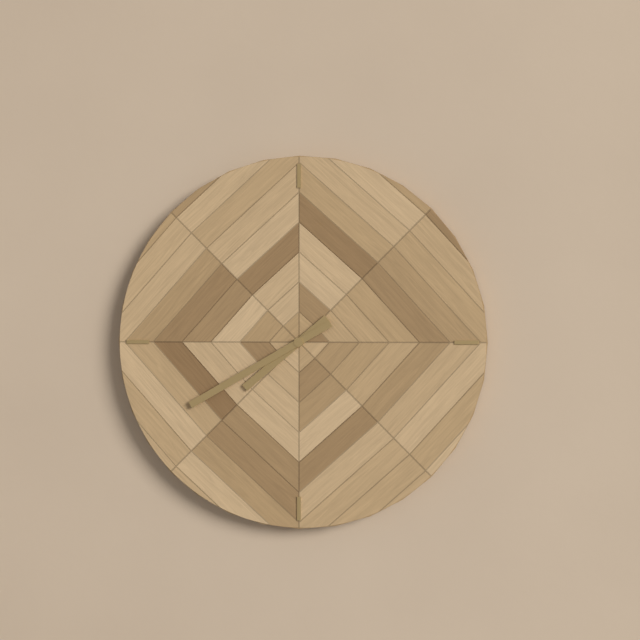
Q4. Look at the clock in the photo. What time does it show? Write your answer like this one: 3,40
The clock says 7,40
